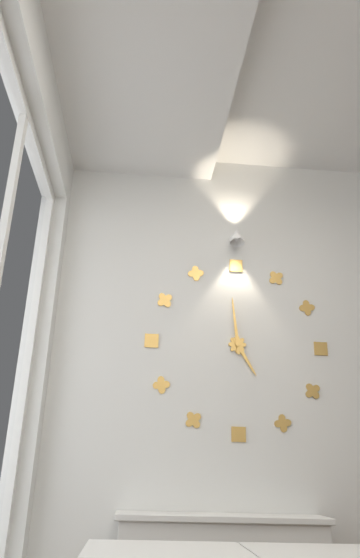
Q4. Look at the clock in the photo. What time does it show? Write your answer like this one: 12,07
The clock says 4,59
